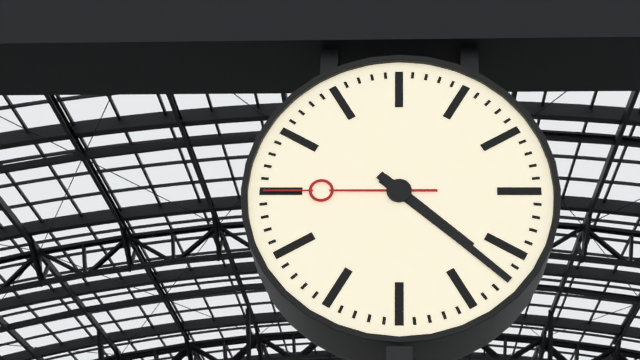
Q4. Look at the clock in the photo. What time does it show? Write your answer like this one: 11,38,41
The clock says 4,22,45
